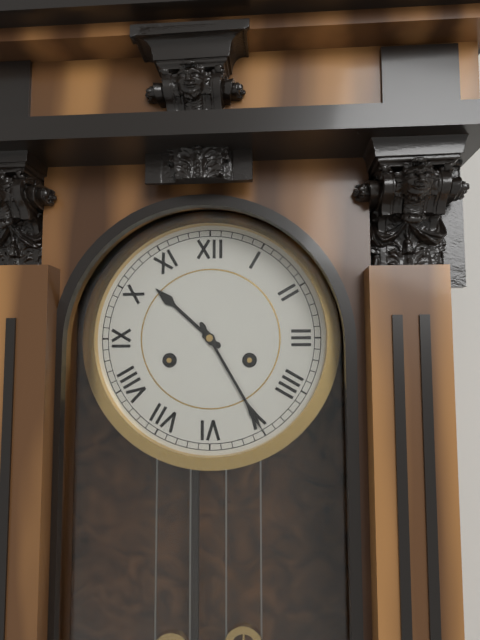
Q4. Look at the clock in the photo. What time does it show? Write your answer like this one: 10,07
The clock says 10,25
